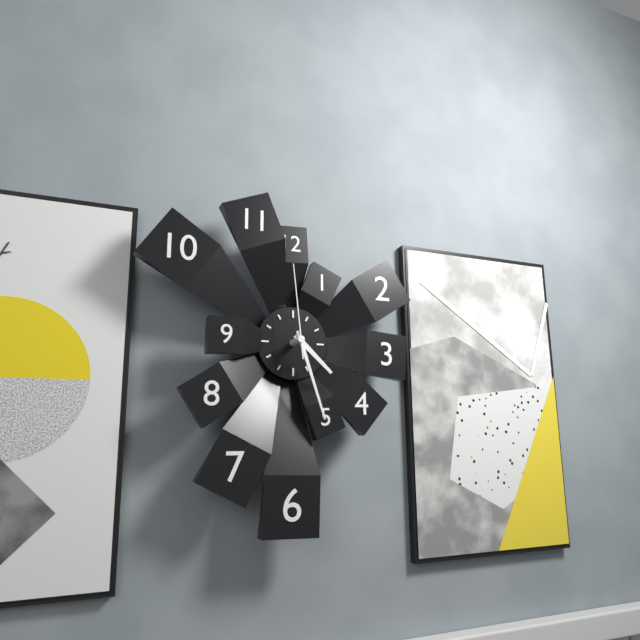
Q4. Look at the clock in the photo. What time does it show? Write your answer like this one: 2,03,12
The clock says 4,27,59
